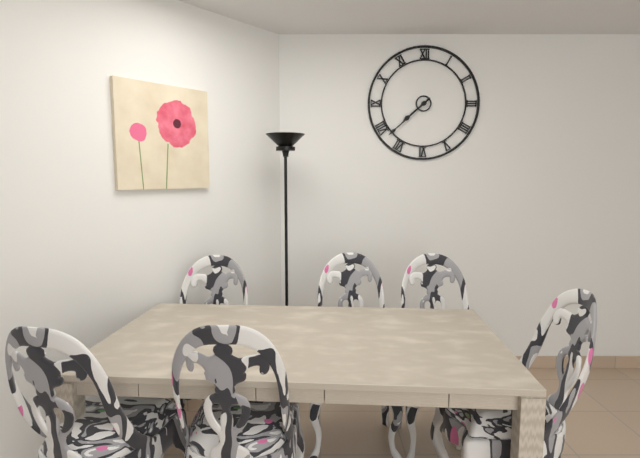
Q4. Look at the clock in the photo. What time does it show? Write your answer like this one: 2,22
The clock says 7,38
